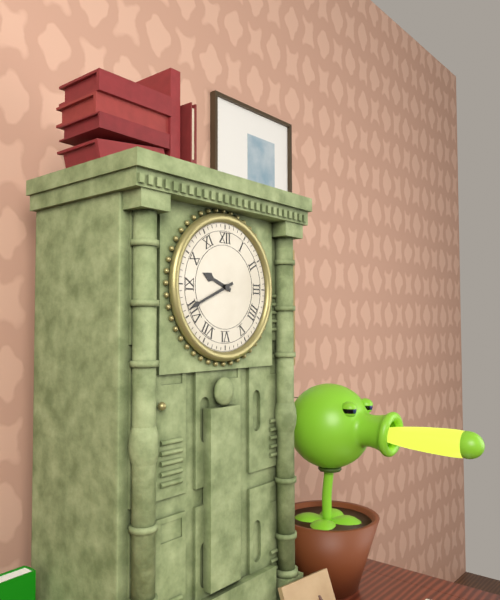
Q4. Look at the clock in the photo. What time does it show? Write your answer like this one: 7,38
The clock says 9,41
